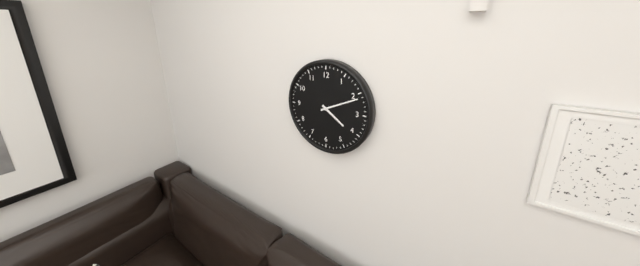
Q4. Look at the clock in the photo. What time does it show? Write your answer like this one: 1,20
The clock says 4,11
